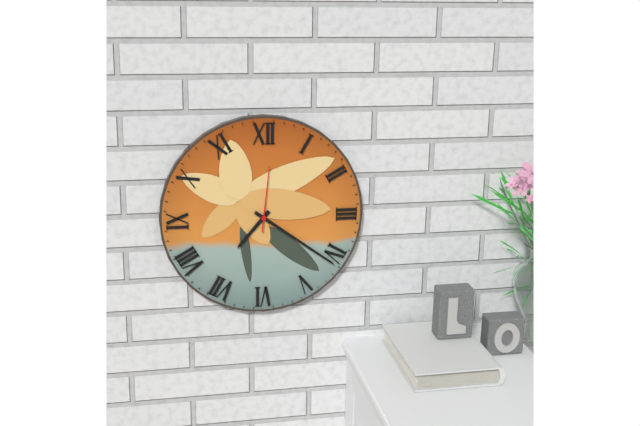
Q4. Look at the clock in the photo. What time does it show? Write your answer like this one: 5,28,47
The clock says 7,21,01
